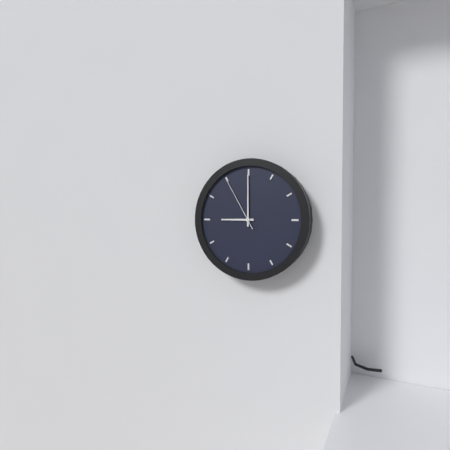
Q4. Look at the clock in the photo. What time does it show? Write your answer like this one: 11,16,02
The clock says 9,00,55
